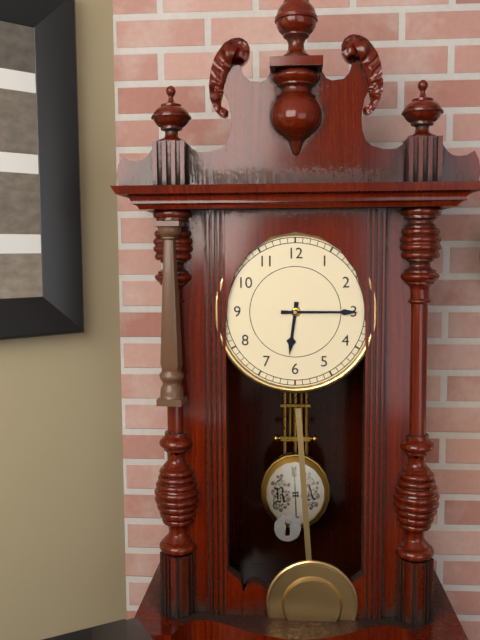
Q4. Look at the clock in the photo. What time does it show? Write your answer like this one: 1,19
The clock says 6,15
